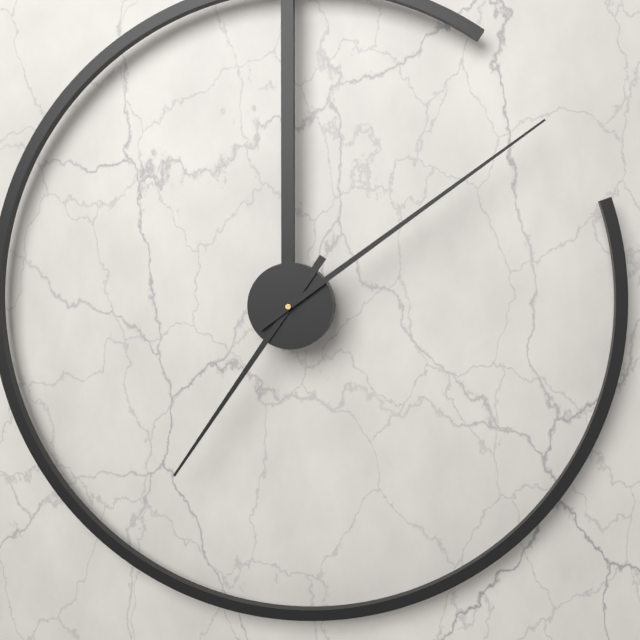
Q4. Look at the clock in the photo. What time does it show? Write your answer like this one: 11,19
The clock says 7,09
